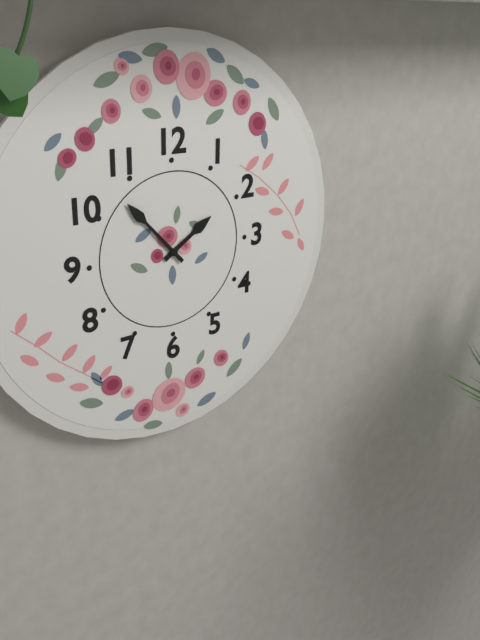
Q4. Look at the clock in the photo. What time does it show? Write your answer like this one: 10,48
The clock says 1,53
